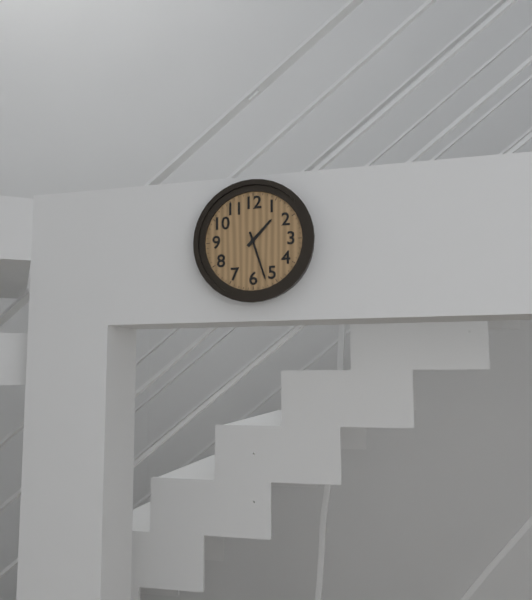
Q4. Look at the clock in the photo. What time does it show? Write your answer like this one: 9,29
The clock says 1,27
